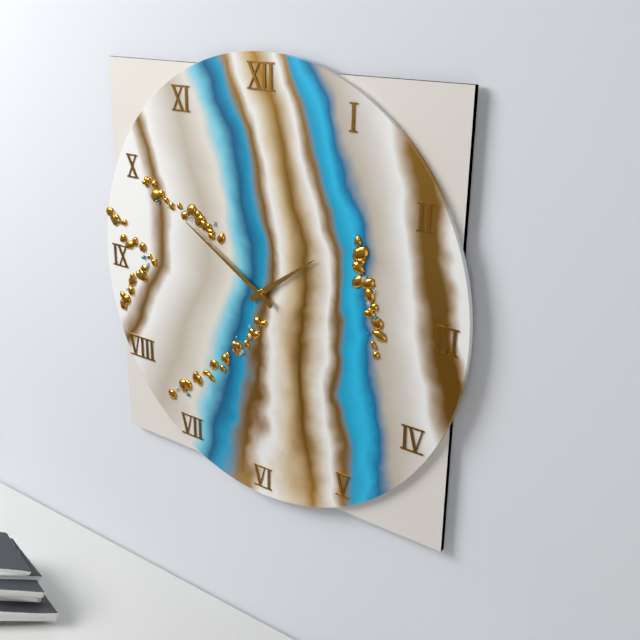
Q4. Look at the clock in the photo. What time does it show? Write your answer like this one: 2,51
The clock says 1,50
